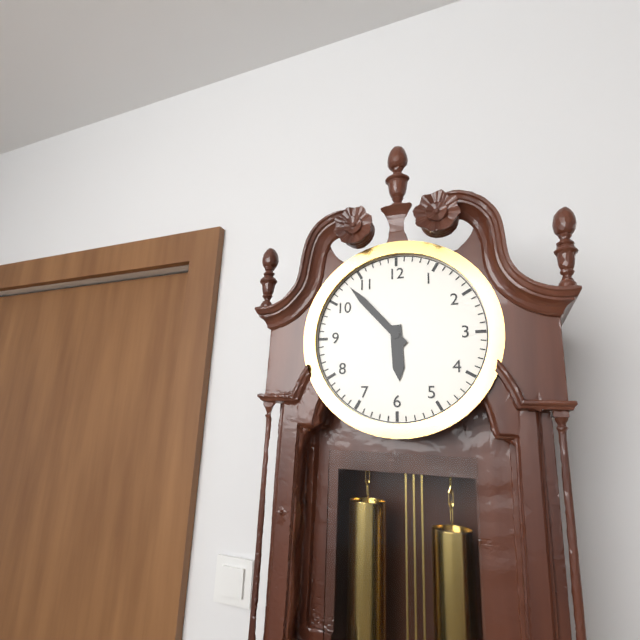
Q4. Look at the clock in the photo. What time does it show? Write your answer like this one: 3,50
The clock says 5,53
